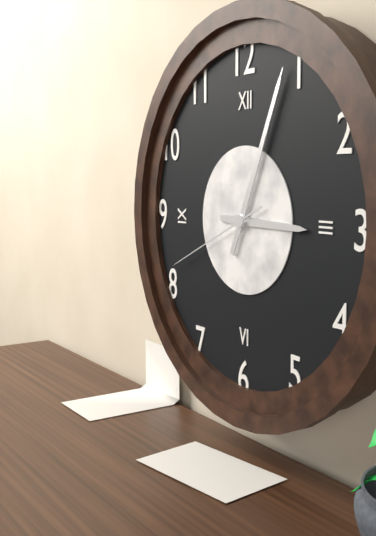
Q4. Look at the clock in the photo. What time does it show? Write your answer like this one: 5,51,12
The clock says 3,04,41
